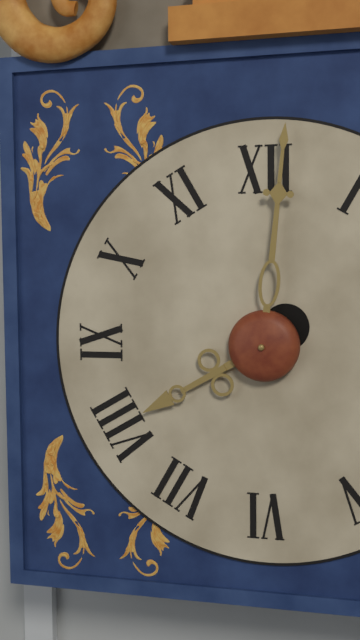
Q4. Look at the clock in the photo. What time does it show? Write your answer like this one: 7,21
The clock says 8,01
